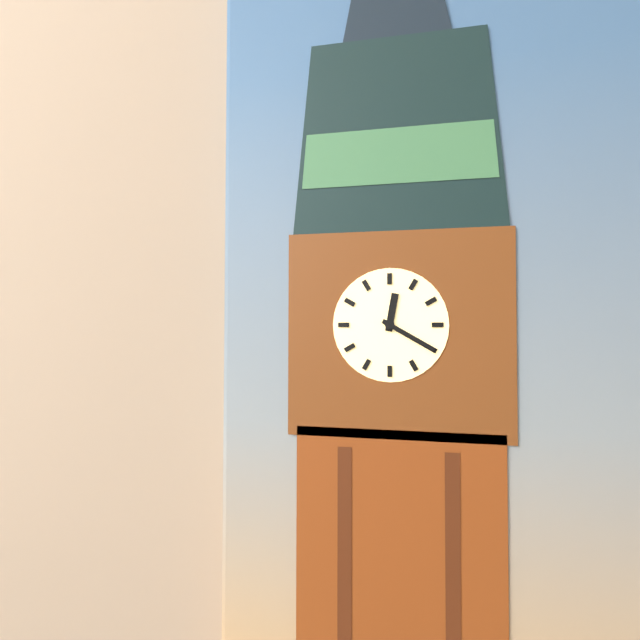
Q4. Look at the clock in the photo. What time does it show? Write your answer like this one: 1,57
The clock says 12,20
